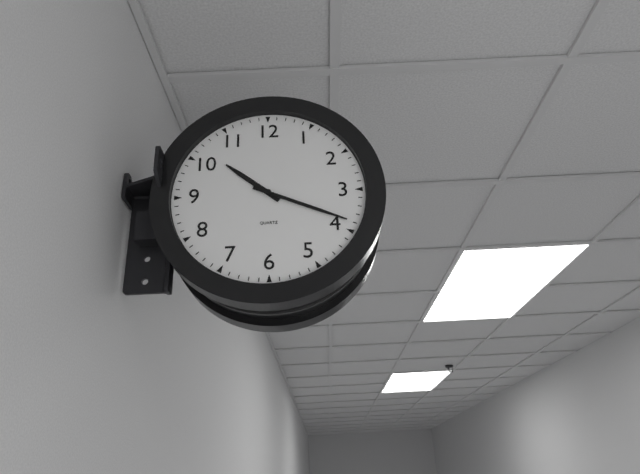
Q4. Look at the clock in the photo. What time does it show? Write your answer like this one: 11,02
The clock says 10,19
